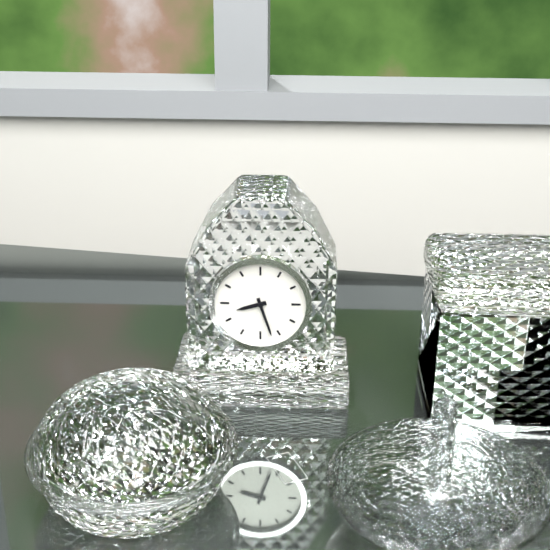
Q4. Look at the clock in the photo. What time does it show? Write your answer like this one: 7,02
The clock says 8,27
